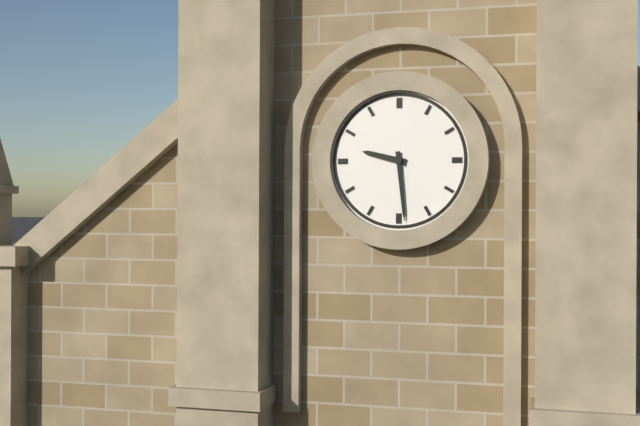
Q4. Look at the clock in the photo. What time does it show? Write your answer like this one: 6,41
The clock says 9,29
